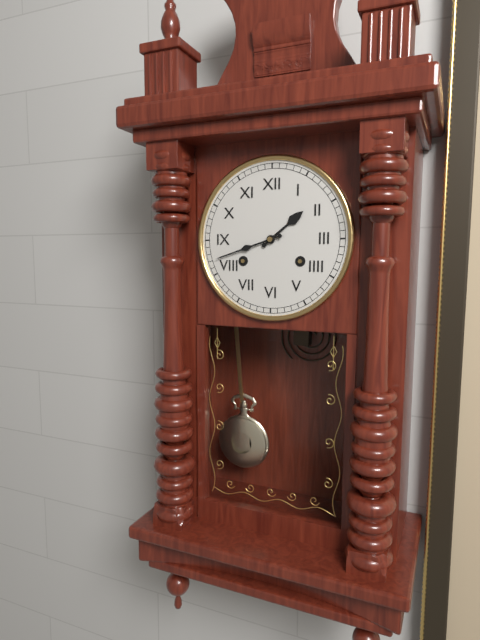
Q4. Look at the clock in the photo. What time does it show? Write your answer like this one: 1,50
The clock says 1,42
